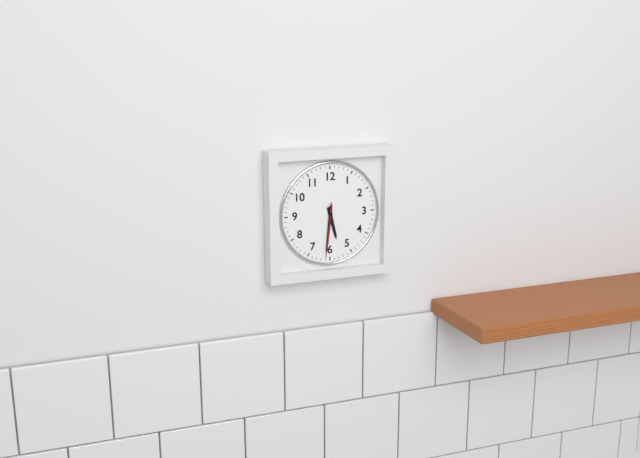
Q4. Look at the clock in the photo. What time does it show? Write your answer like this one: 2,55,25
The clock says 5,31,31
